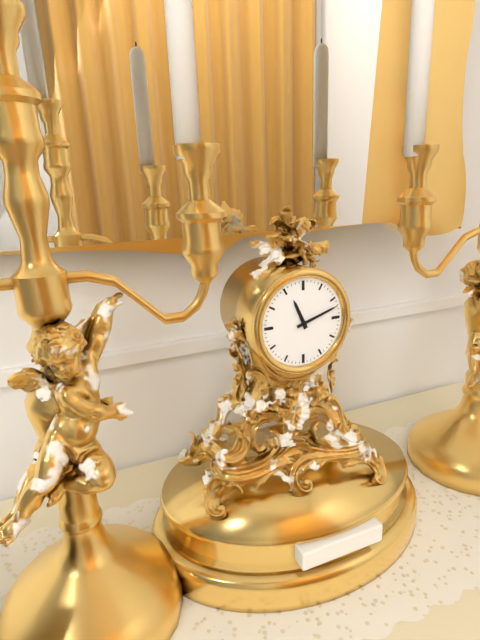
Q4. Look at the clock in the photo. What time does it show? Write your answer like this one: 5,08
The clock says 11,12
